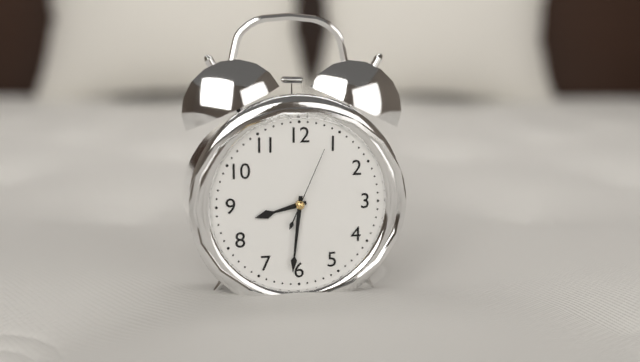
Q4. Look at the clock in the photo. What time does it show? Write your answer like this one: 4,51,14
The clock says 8,31,04
